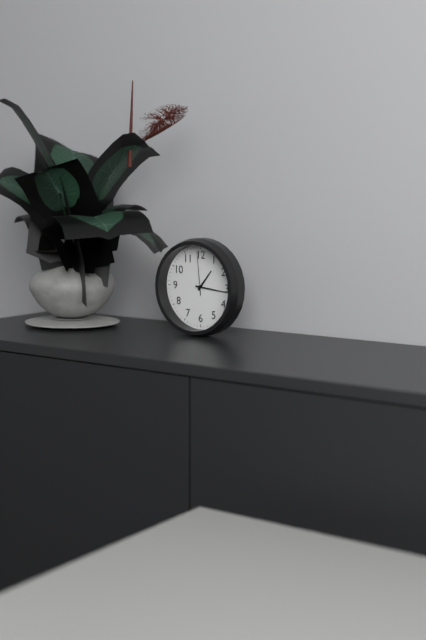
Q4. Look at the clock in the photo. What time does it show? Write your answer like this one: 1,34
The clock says 1,16
